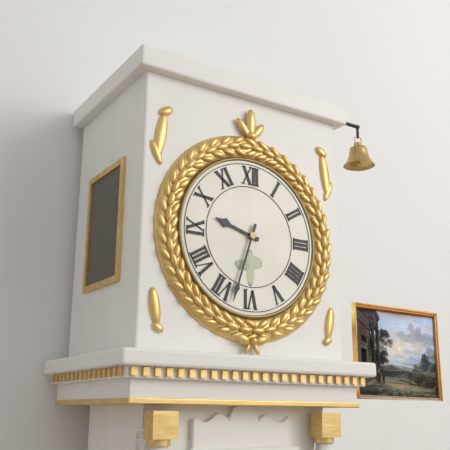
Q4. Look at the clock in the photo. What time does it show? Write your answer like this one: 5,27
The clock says 9,33
